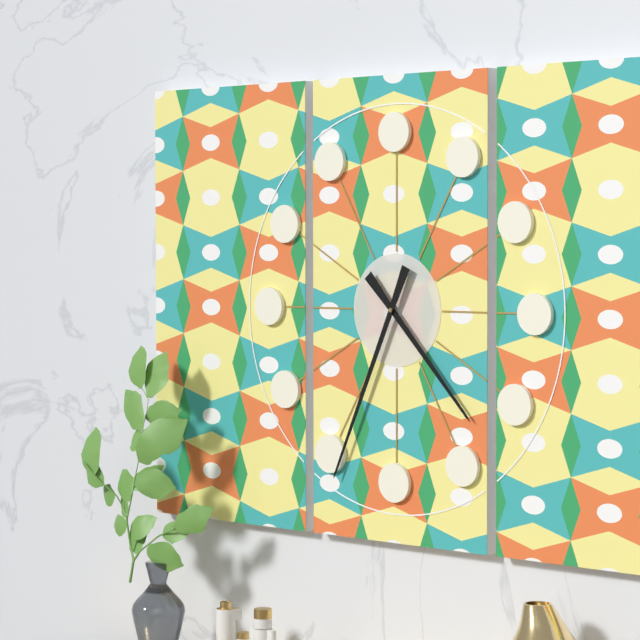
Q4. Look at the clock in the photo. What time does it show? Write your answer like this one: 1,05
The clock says 4,34
